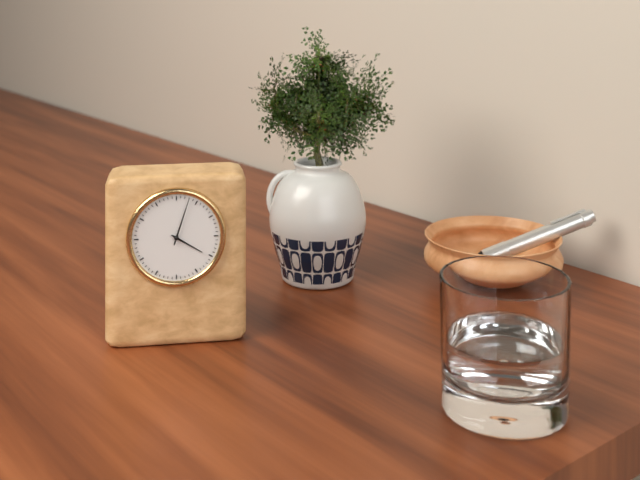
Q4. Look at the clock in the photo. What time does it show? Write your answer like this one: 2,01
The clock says 4,03
